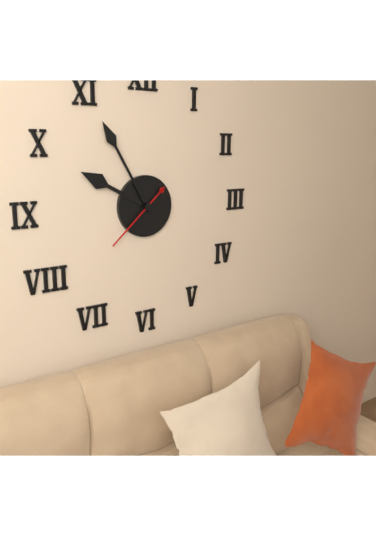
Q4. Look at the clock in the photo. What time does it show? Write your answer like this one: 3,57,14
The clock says 9,55,38
